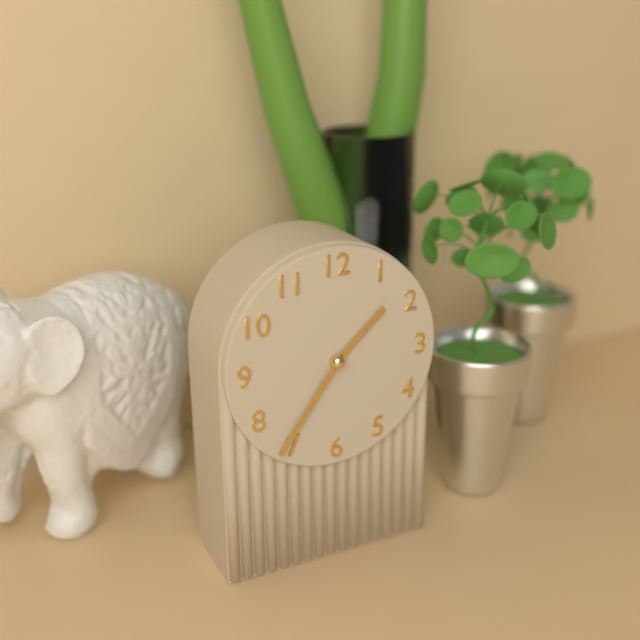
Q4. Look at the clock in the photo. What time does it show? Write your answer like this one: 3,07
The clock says 1,36
